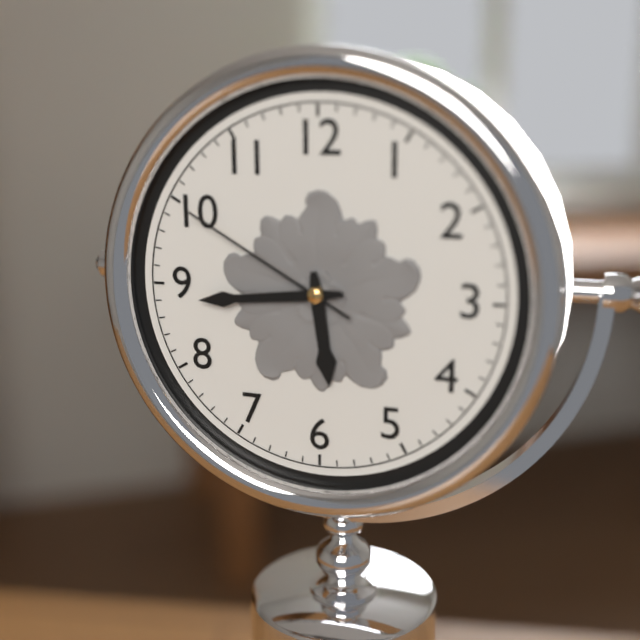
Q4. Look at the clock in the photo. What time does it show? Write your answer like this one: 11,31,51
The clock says 5,44,50
